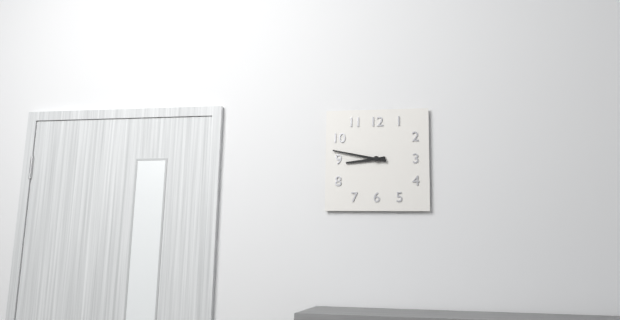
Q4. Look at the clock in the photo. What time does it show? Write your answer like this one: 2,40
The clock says 8,47
